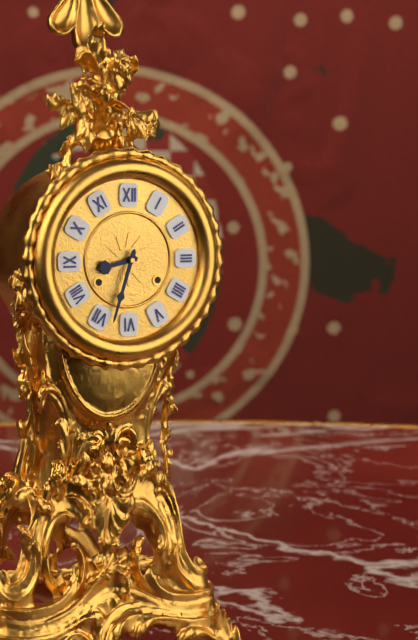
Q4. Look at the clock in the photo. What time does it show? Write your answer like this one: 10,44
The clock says 8,33
